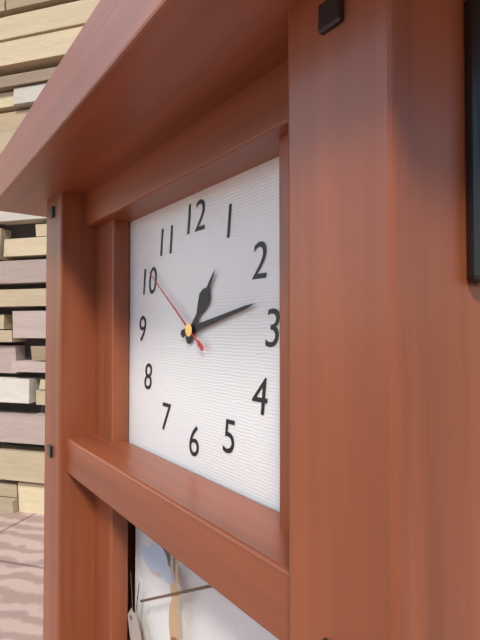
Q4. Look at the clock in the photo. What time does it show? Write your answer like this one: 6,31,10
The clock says 1,13,51
